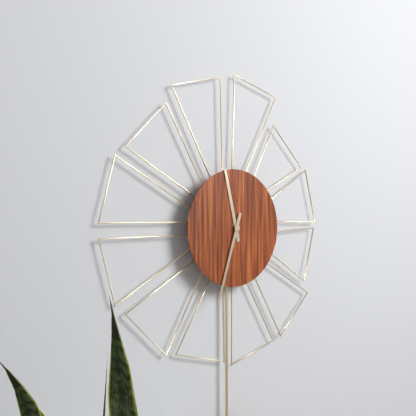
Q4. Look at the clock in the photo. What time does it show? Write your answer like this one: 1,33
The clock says 11,33
